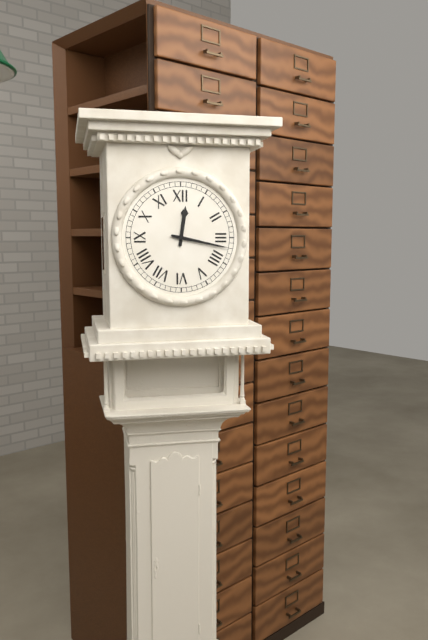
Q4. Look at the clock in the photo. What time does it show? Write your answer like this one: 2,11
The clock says 12,17
